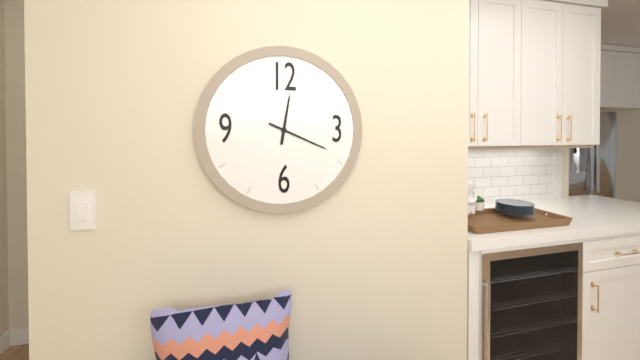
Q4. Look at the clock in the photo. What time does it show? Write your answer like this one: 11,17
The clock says 12,19
